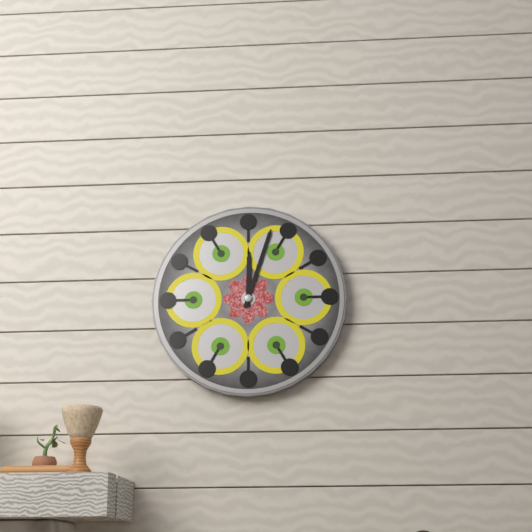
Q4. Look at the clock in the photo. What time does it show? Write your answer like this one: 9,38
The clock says 12,03
